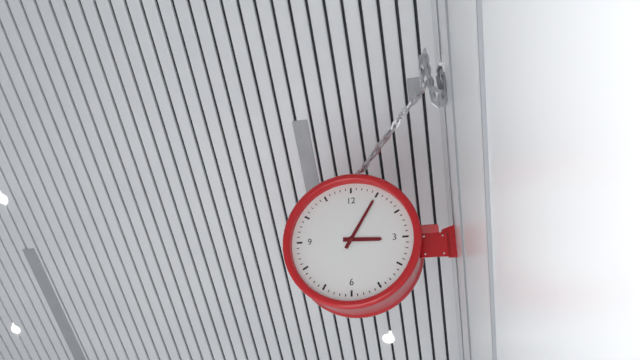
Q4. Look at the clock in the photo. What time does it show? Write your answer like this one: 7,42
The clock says 3,05
